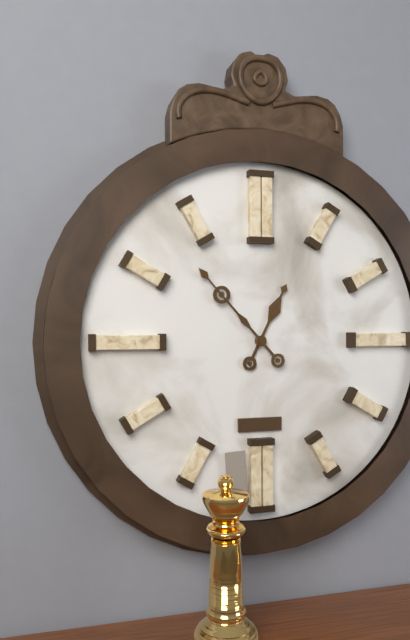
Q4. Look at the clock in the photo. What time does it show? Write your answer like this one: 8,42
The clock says 12,53
